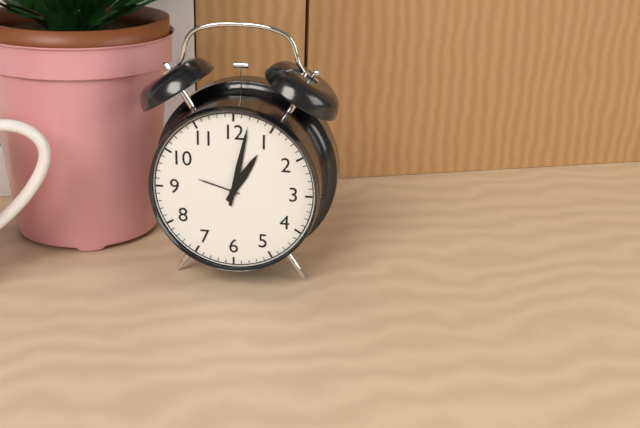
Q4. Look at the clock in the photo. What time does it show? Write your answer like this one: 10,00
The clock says 1,02
